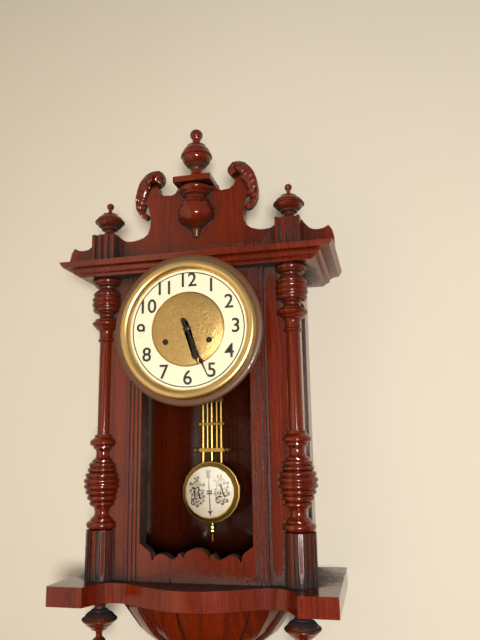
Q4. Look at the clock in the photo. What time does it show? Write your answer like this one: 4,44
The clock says 5,26
